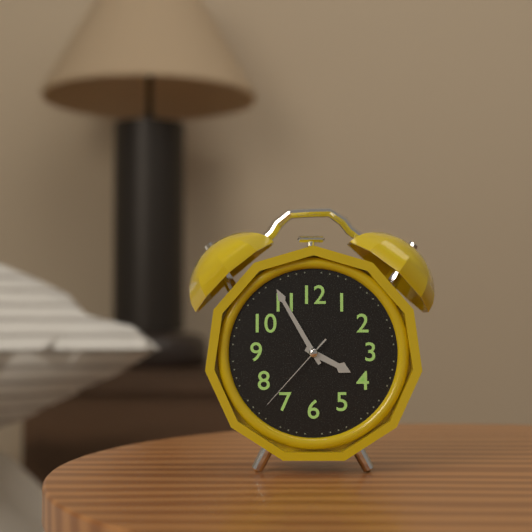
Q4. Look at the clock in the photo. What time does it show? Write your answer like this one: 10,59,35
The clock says 3,55,37
